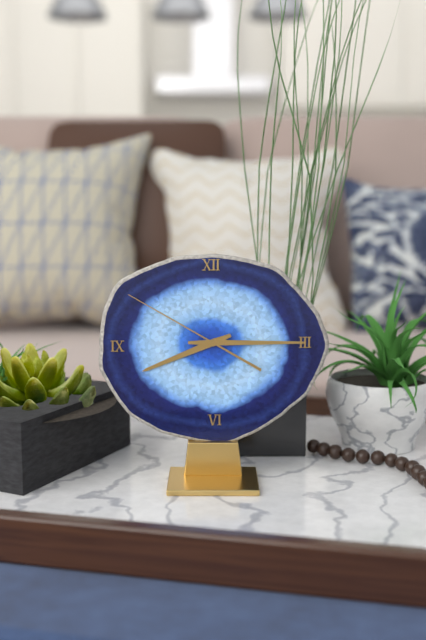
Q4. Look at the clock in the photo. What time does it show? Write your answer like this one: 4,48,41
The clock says 8,15,50
